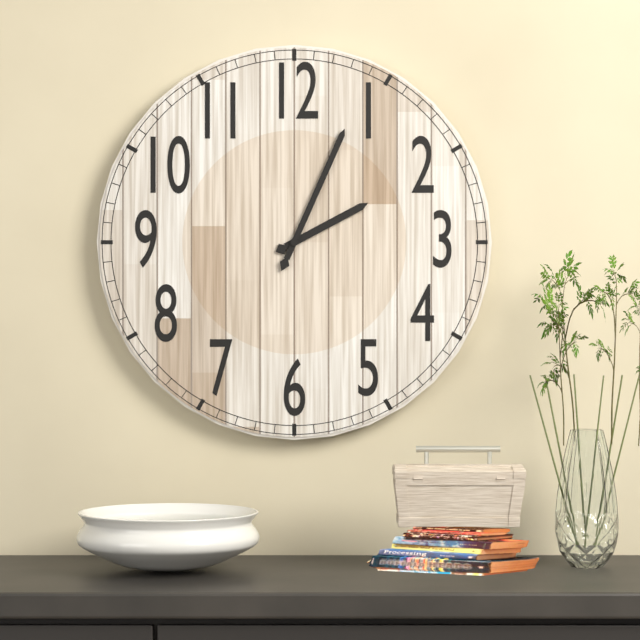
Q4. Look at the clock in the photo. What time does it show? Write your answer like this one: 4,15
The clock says 2,04
